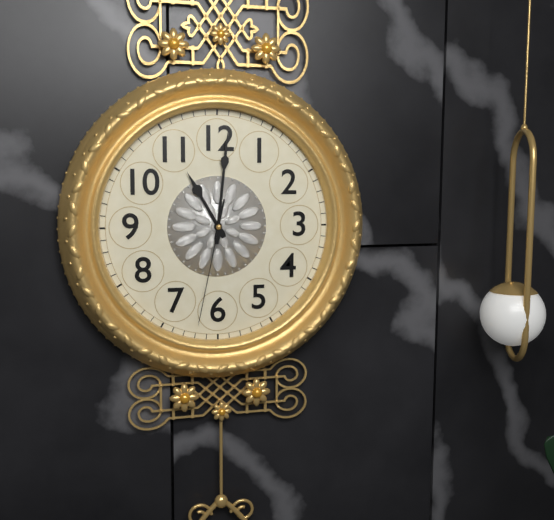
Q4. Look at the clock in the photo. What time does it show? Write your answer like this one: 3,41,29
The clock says 11,01,32
